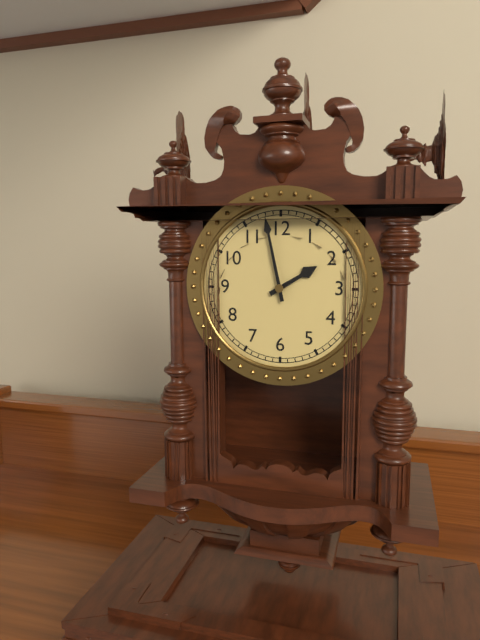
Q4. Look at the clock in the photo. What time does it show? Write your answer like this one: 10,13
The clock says 1,58
